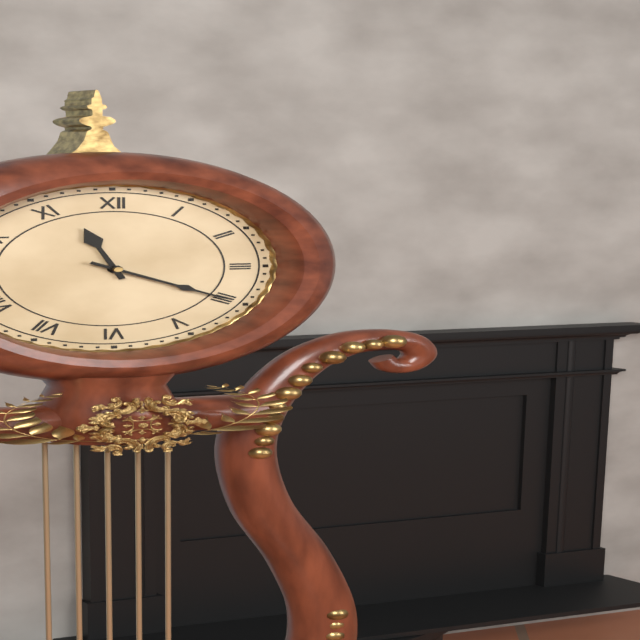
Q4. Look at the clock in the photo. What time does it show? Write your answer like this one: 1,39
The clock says 11,20
